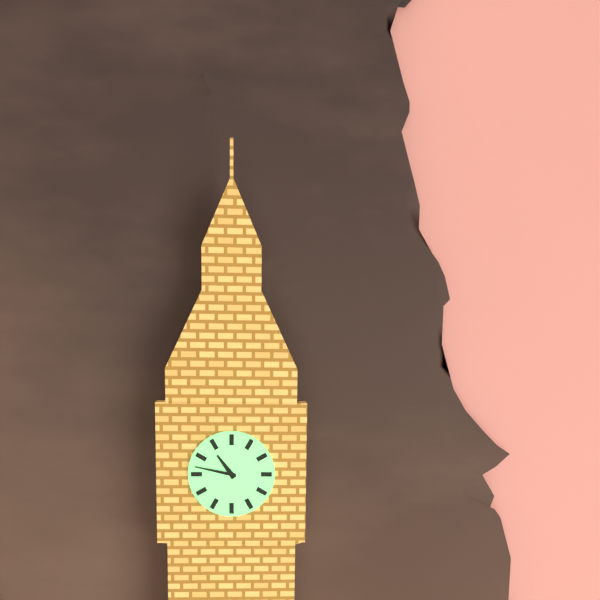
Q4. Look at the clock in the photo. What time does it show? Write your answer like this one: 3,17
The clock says 10,47
